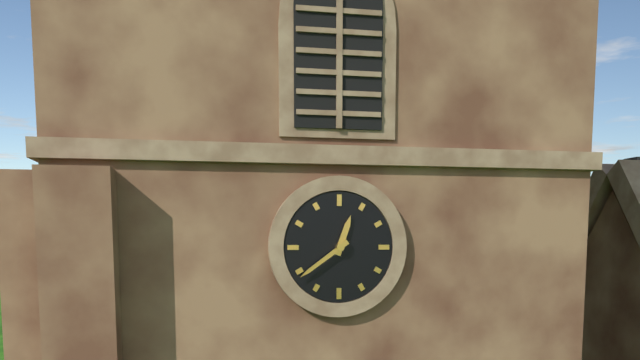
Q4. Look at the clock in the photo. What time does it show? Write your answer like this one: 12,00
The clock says 12,39
